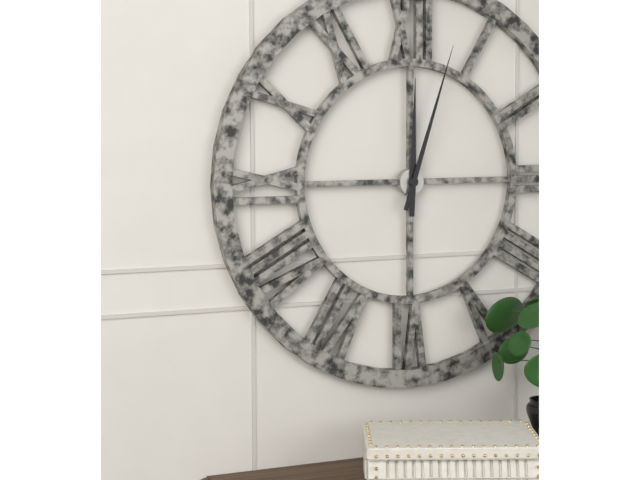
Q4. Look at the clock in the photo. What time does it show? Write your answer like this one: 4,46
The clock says 12,03
